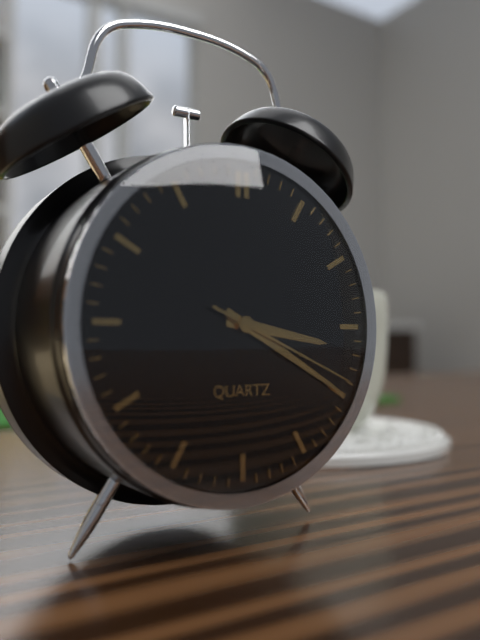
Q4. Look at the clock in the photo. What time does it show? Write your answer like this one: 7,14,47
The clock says 3,20,19
